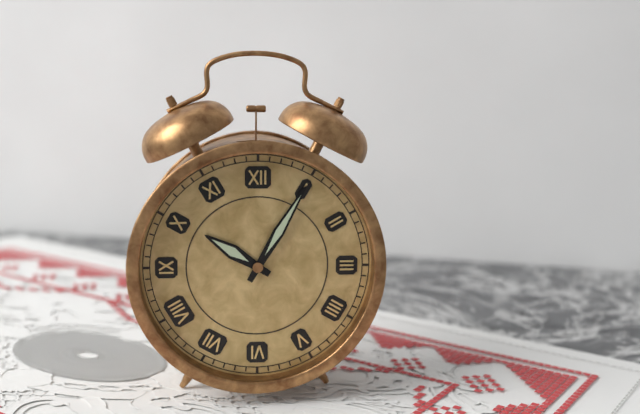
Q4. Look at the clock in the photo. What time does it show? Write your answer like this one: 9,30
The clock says 10,05
